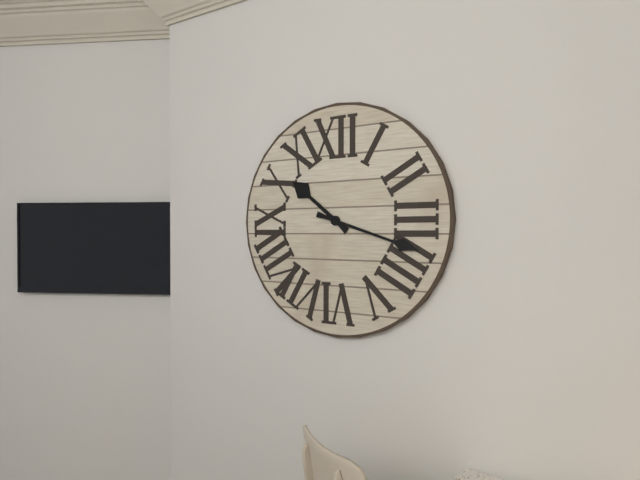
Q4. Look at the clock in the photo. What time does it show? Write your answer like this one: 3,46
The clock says 10,18
